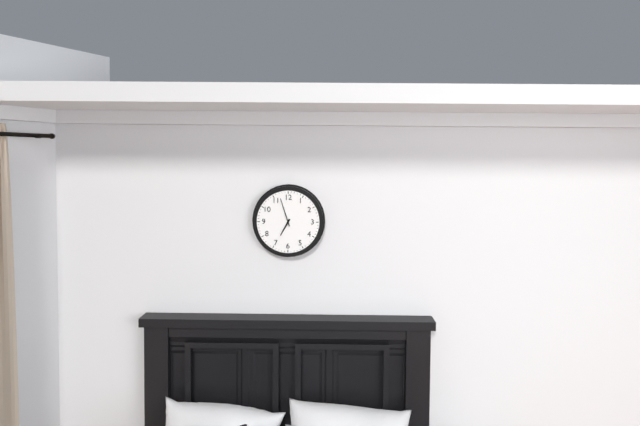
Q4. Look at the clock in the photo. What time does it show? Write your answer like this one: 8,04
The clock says 6,57
